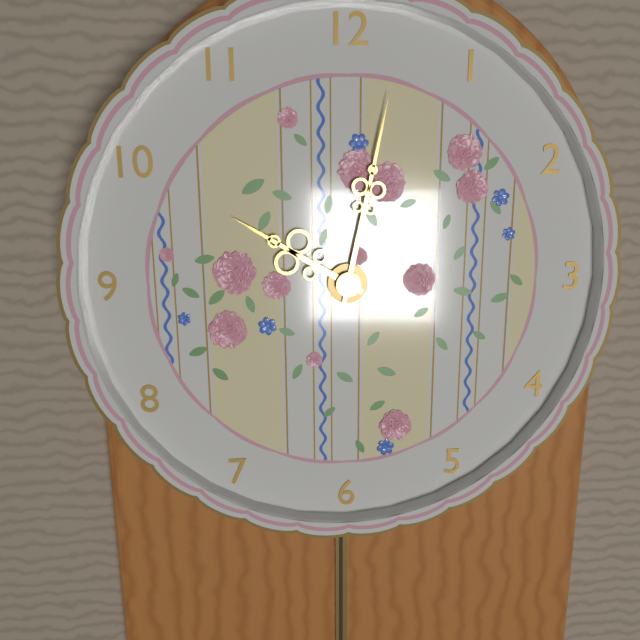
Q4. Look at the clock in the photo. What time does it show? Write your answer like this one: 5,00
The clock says 10,02
